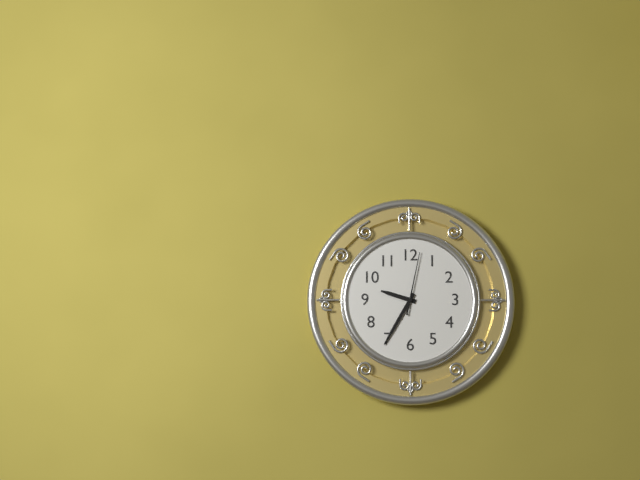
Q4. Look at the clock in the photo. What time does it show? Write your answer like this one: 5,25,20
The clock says 9,35,02
